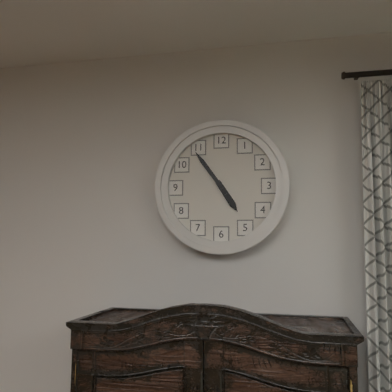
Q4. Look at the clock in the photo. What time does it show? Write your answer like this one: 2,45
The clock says 4,54
